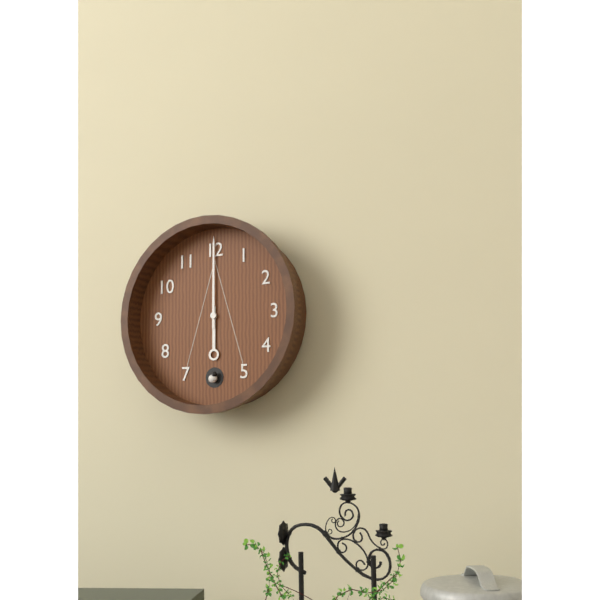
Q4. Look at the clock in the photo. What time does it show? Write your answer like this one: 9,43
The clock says 6,00
